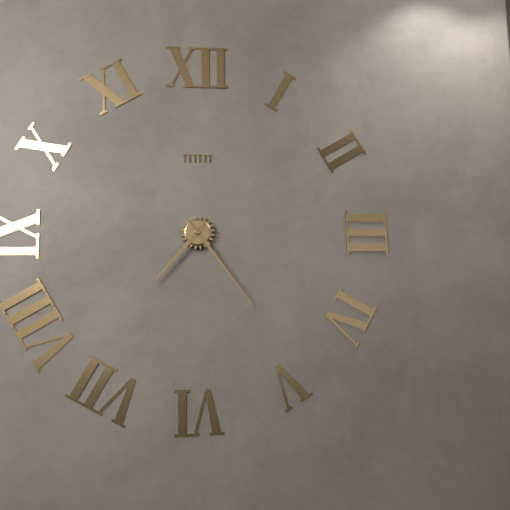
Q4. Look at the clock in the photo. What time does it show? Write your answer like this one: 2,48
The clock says 7,24
